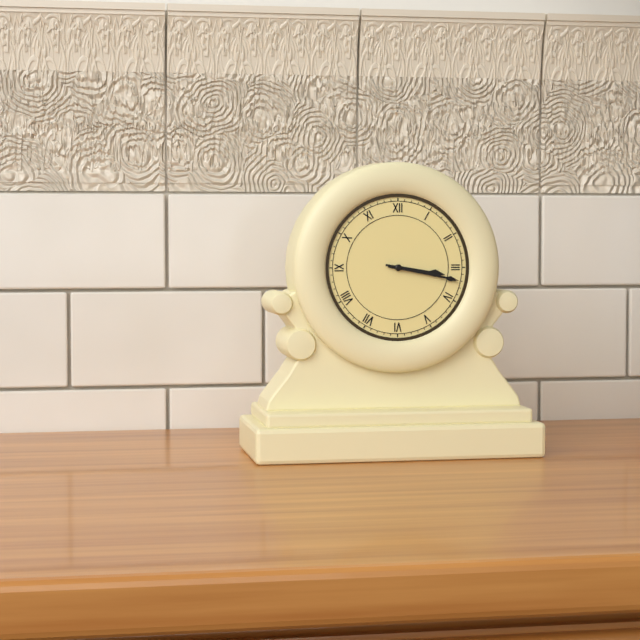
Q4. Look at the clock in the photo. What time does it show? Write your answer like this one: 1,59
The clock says 3,17
